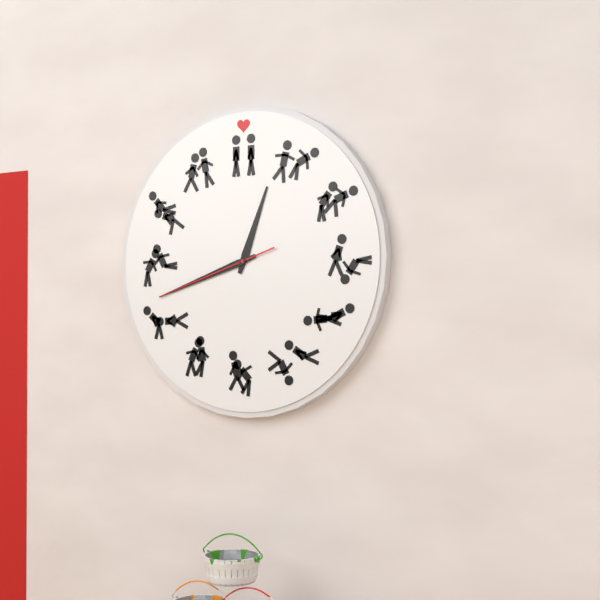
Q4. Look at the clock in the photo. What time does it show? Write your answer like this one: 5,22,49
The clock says 12,42,42
